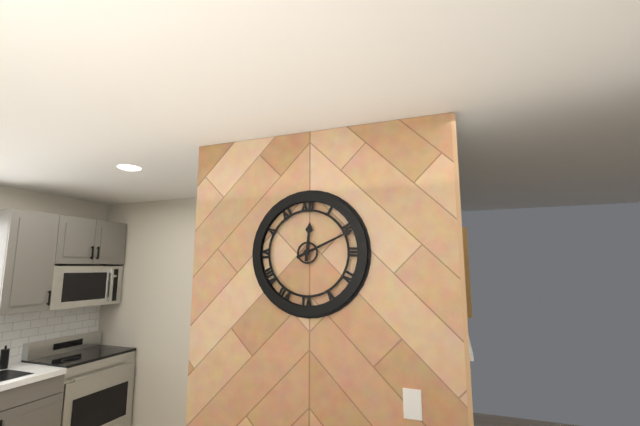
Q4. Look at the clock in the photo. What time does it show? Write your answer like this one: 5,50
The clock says 12,11
